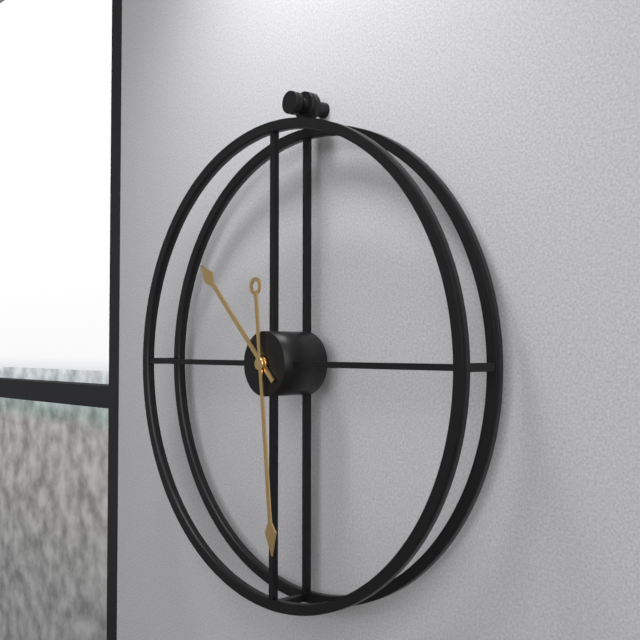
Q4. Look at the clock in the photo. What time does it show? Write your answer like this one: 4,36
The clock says 10,29
